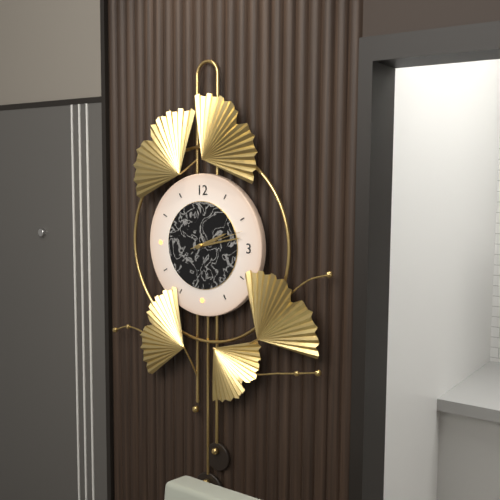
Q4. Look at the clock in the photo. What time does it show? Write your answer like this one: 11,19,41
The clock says 2,13,12
